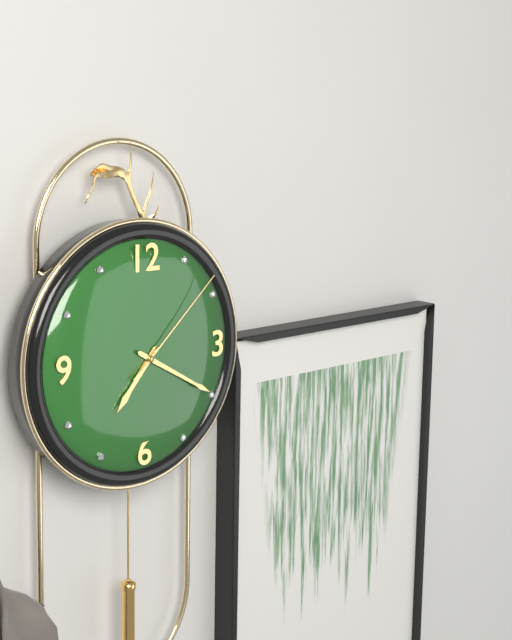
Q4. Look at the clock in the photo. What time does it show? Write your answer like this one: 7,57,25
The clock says 7,20,08
